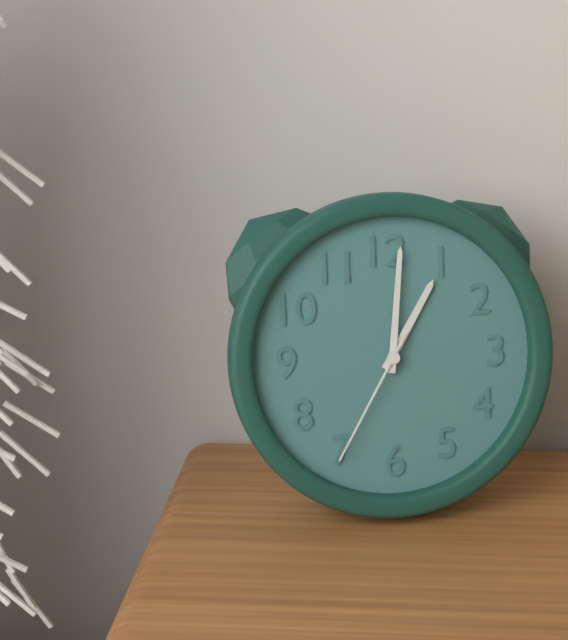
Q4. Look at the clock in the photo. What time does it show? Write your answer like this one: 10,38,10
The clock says 1,01,35
